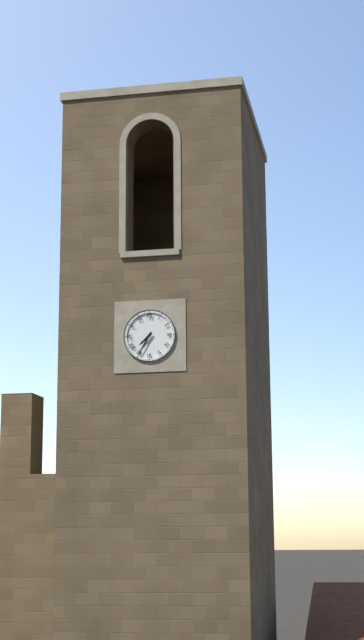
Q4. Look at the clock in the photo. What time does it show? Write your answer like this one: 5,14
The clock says 7,35
